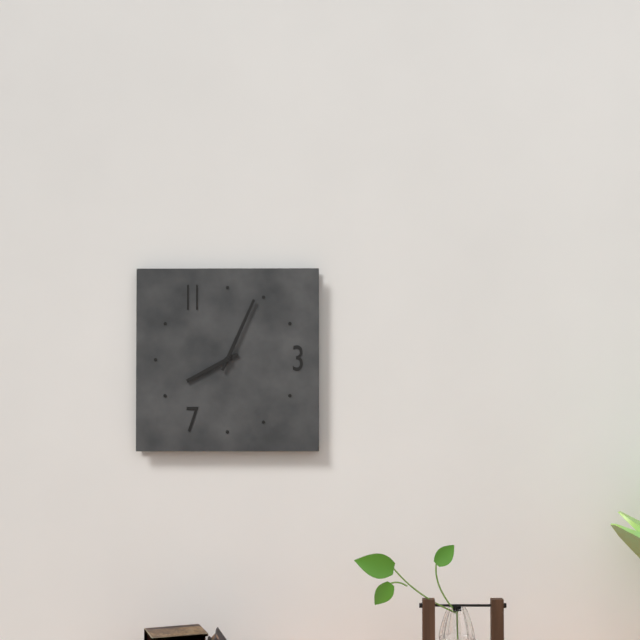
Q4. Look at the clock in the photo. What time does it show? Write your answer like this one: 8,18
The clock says 8,04
